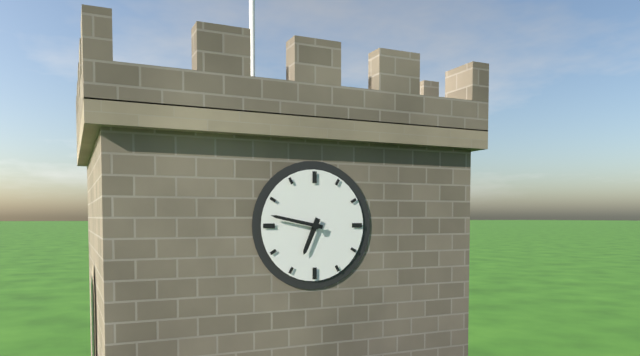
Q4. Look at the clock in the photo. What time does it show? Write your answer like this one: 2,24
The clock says 6,47
